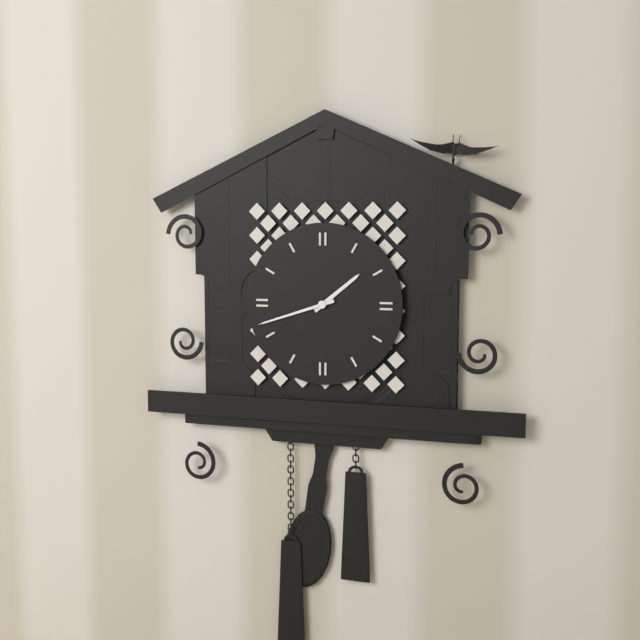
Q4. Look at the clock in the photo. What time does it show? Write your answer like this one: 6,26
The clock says 1,42
